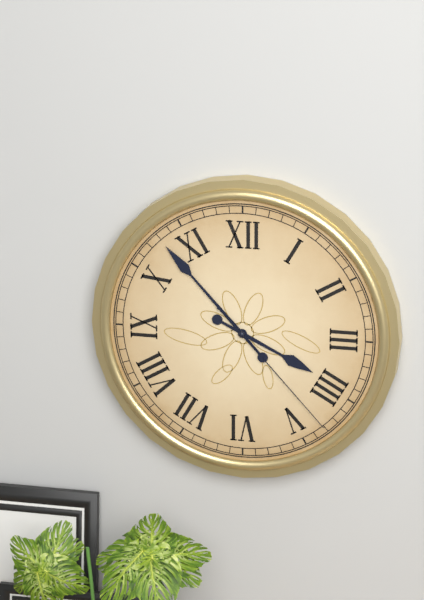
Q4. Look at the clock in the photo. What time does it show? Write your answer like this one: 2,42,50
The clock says 3,53,23
